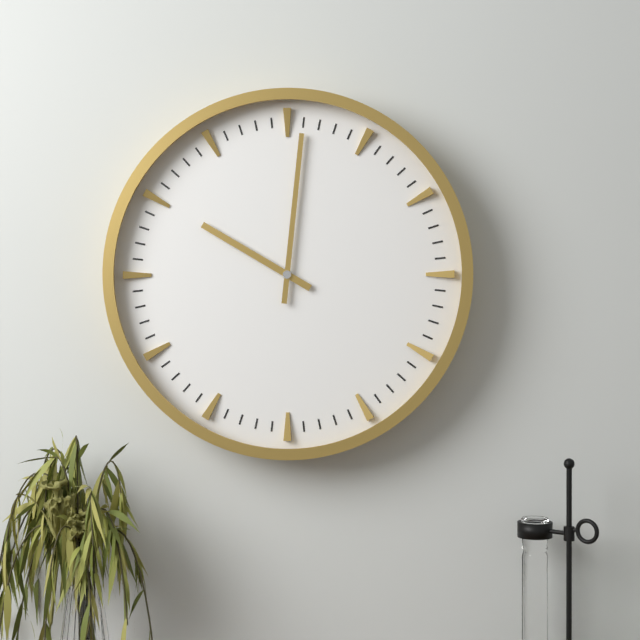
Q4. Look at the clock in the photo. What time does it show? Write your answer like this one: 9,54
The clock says 10,01
